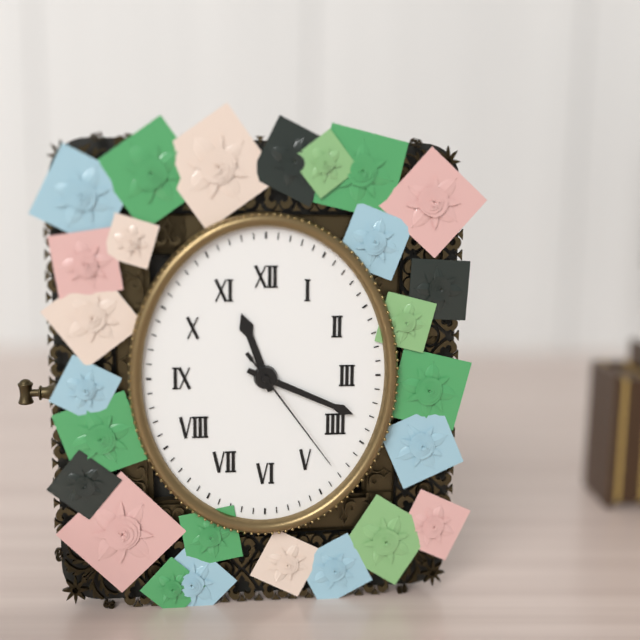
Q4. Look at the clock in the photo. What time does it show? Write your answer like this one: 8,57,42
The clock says 11,19,24
